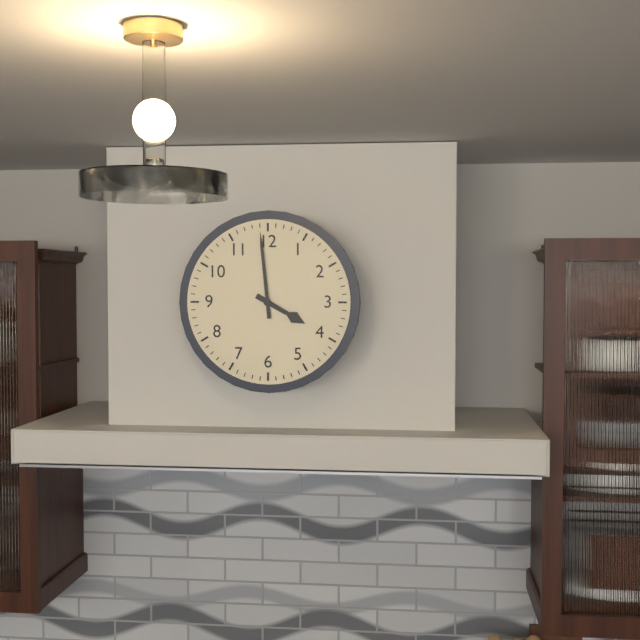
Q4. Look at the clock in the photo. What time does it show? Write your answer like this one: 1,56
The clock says 3,59
